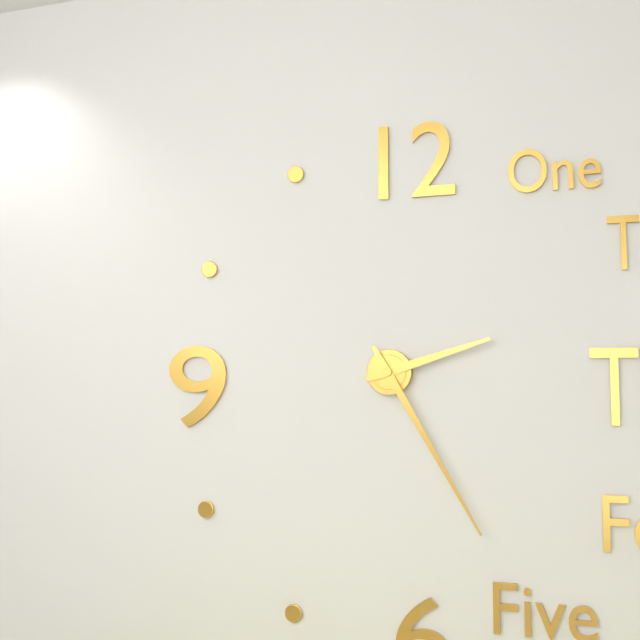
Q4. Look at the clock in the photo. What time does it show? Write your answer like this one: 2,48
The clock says 2,25
